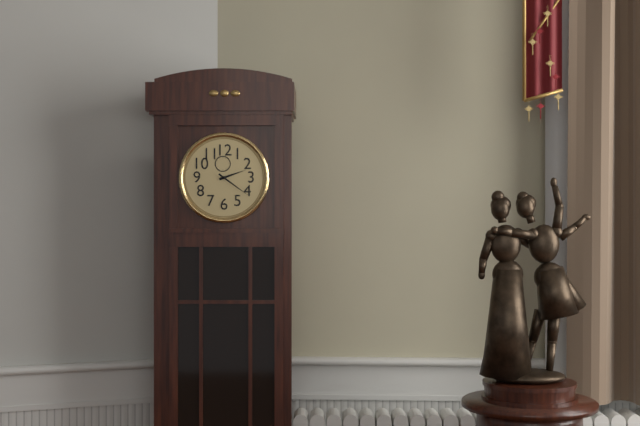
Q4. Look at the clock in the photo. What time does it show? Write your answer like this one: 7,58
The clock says 2,21
